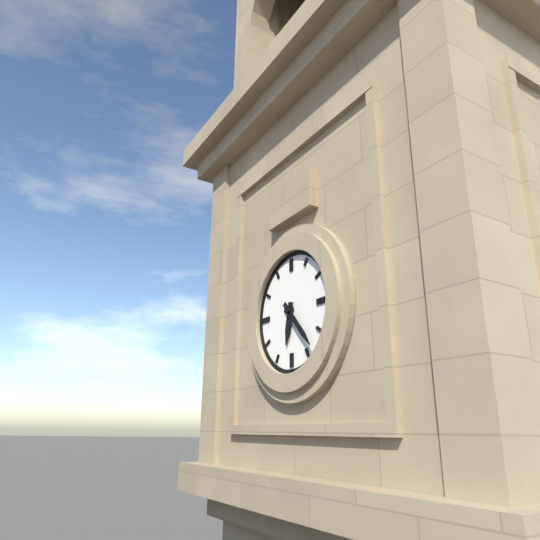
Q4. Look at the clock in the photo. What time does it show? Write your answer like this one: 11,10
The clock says 6,23
